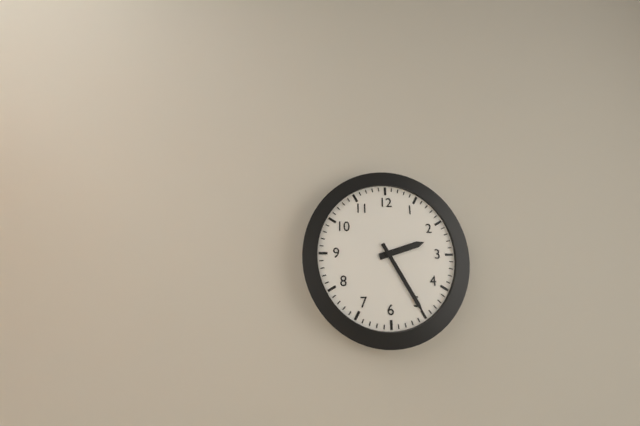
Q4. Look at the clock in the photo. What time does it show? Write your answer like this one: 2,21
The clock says 2,25
